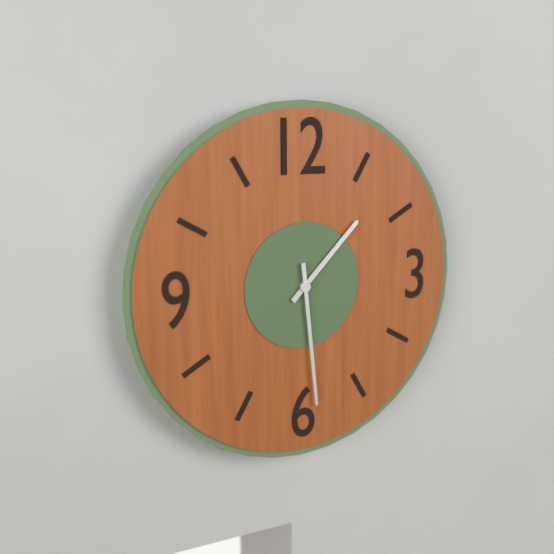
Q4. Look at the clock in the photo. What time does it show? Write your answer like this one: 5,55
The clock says 1,29
